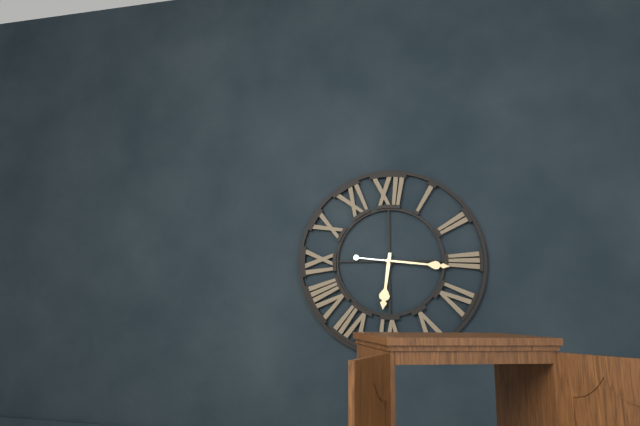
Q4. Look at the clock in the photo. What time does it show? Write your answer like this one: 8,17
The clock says 6,16
